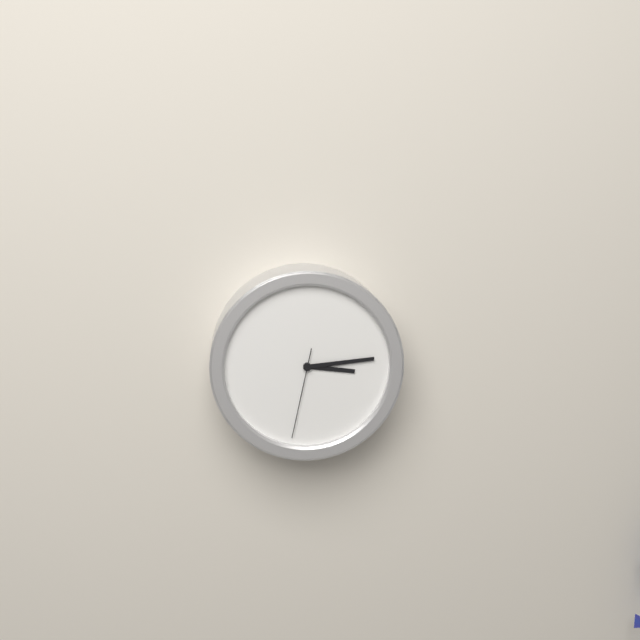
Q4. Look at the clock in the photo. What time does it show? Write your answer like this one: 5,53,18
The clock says 3,14,32
